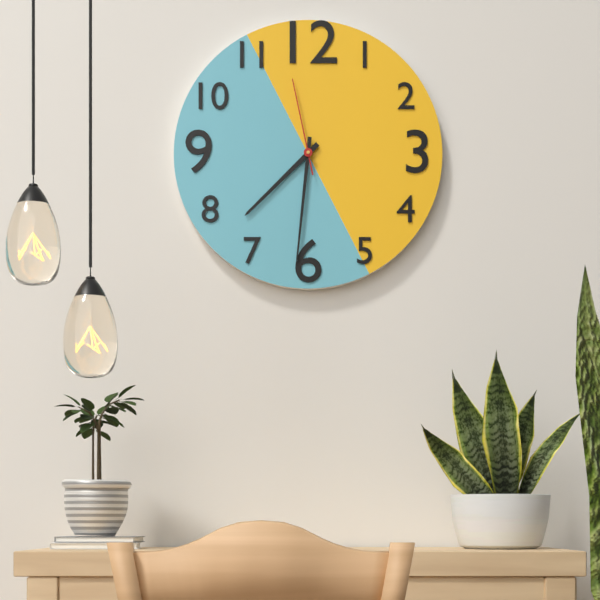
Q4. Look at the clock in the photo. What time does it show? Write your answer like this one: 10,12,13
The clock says 7,31,58
